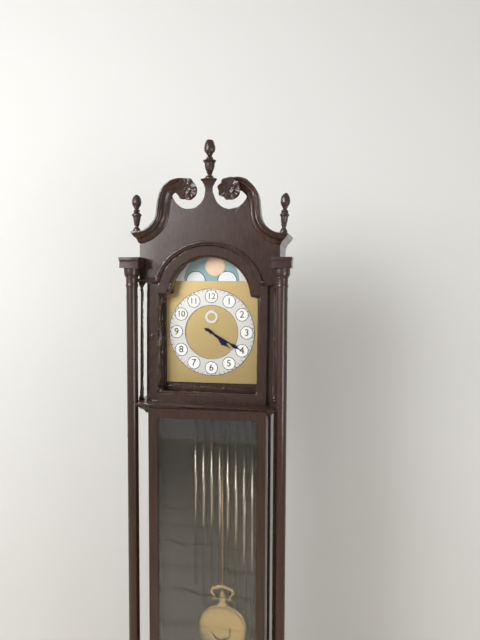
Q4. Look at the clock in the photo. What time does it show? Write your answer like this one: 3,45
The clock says 4,20
